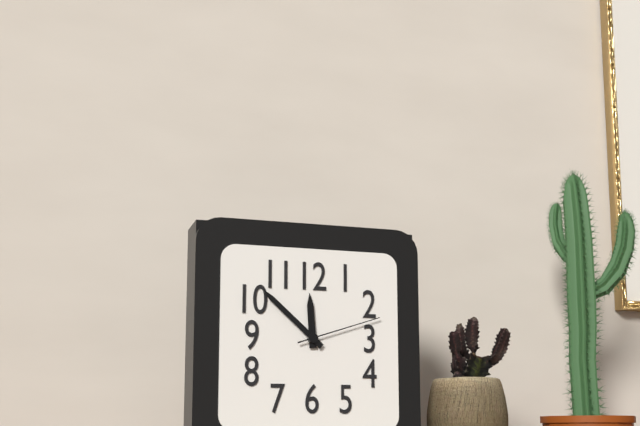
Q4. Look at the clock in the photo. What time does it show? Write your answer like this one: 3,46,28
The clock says 11,52,12
